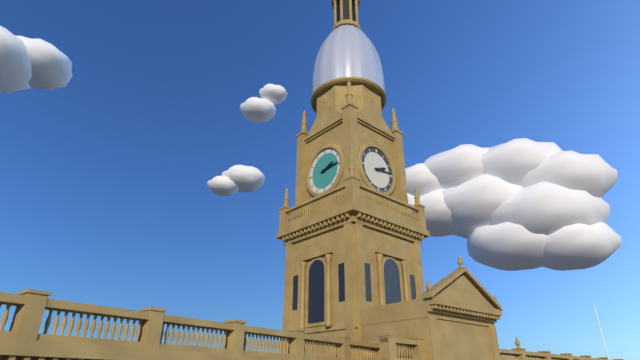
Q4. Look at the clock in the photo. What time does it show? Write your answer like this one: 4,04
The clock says 2,14
